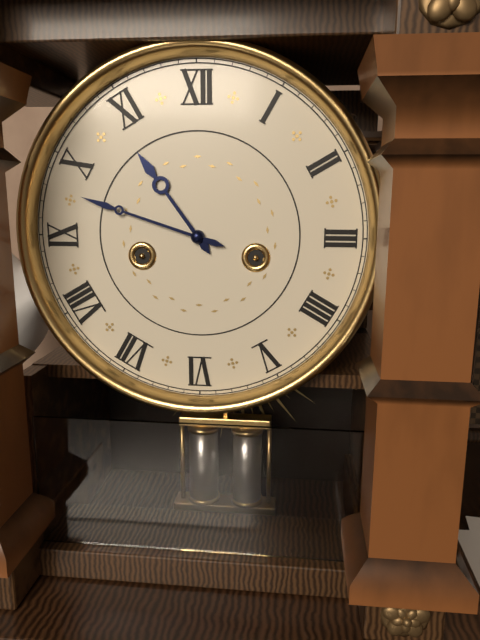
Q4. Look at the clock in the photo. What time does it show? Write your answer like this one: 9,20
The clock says 10,48
